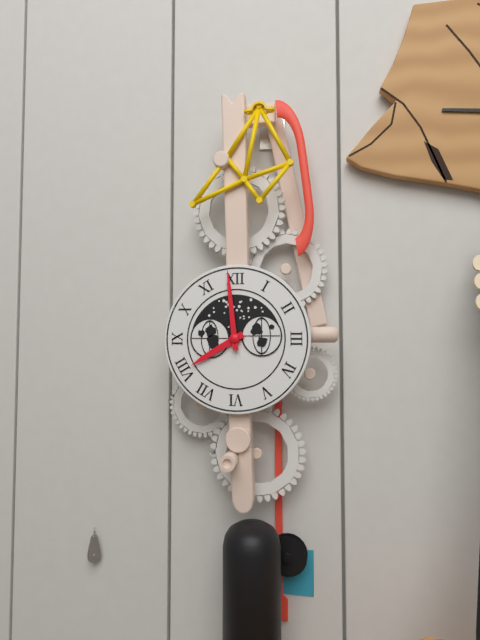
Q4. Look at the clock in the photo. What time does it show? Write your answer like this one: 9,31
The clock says 7,59
